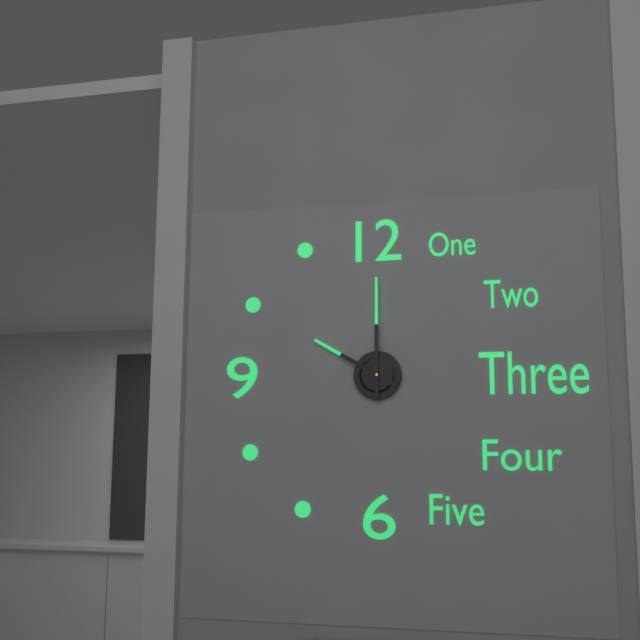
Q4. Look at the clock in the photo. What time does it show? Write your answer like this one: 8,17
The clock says 10,00
